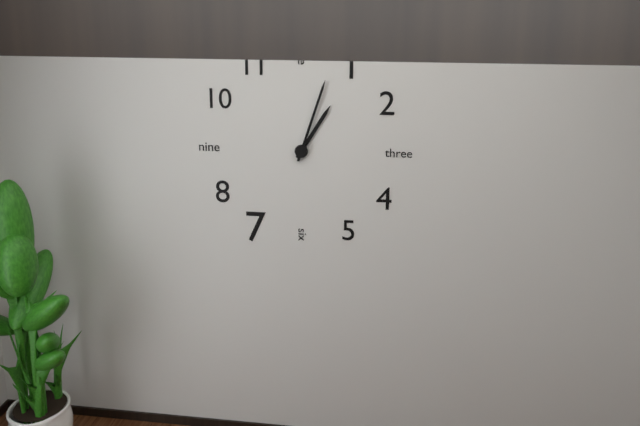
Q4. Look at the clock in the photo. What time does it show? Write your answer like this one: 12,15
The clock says 1,03
